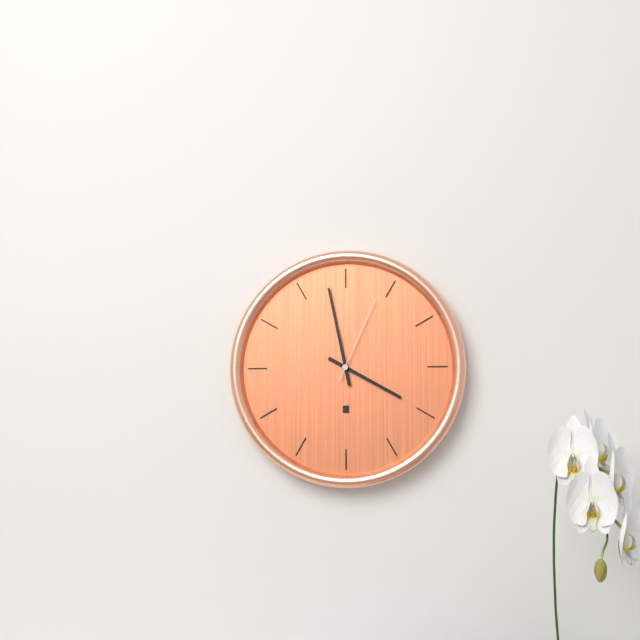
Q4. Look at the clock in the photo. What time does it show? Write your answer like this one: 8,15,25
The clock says 3,58,04
